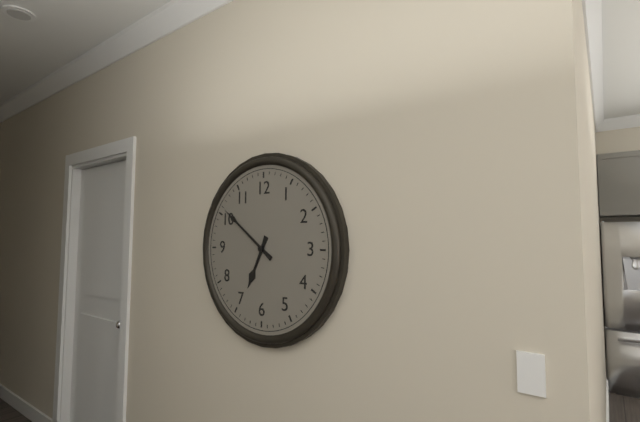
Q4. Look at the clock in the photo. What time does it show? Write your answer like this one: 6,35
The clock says 6,51
